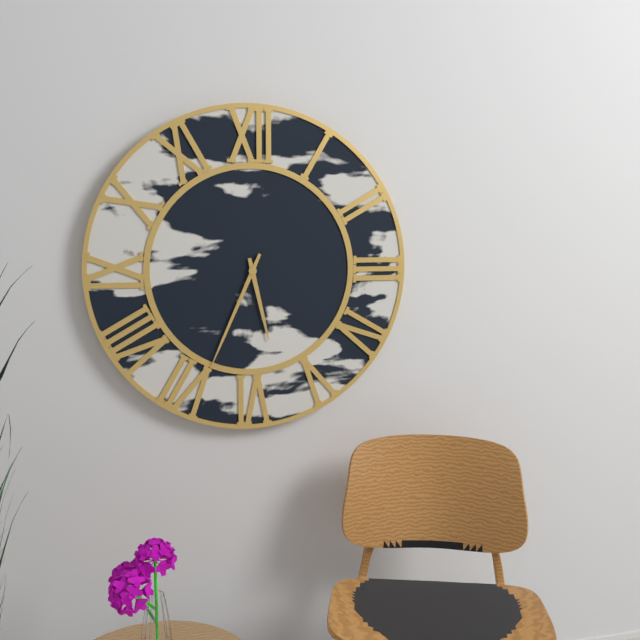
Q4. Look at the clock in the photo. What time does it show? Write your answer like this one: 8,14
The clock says 5,34
